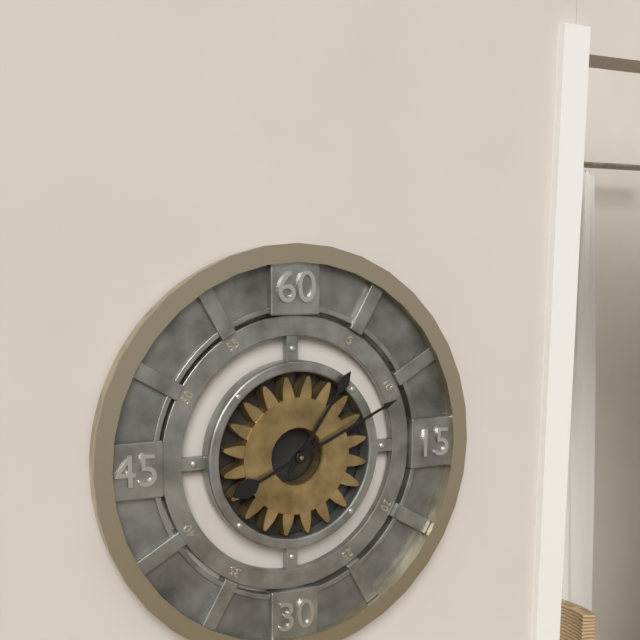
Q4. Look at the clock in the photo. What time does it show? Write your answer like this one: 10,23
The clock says 1,11
